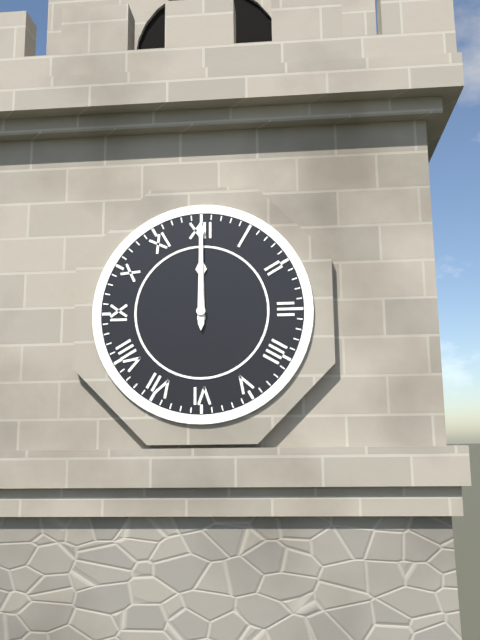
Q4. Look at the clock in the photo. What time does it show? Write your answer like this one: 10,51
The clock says 12,00
